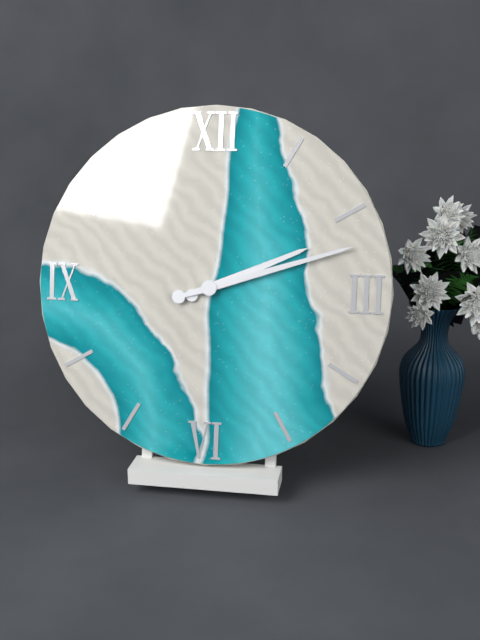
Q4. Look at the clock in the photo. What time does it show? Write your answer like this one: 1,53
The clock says 2,12
